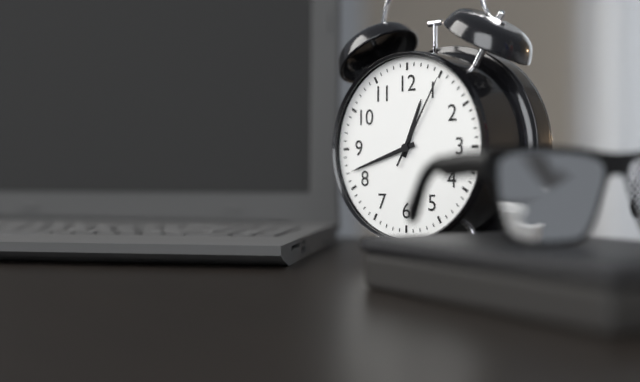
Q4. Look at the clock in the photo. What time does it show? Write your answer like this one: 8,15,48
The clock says 12,42,05
